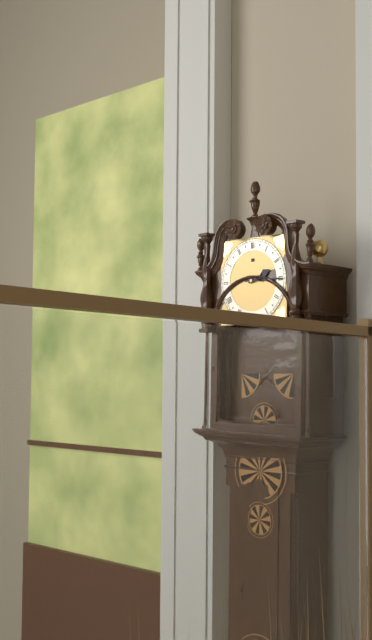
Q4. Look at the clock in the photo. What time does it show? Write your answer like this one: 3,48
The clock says 2,15
